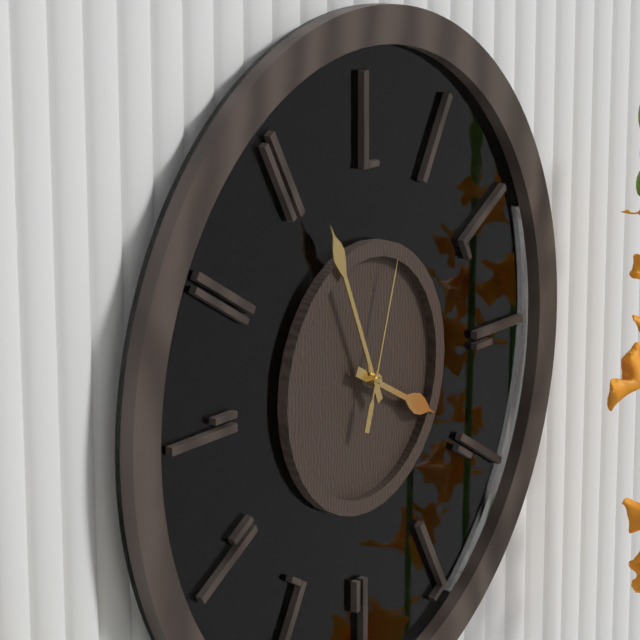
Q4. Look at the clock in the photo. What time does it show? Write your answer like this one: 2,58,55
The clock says 3,56,03
